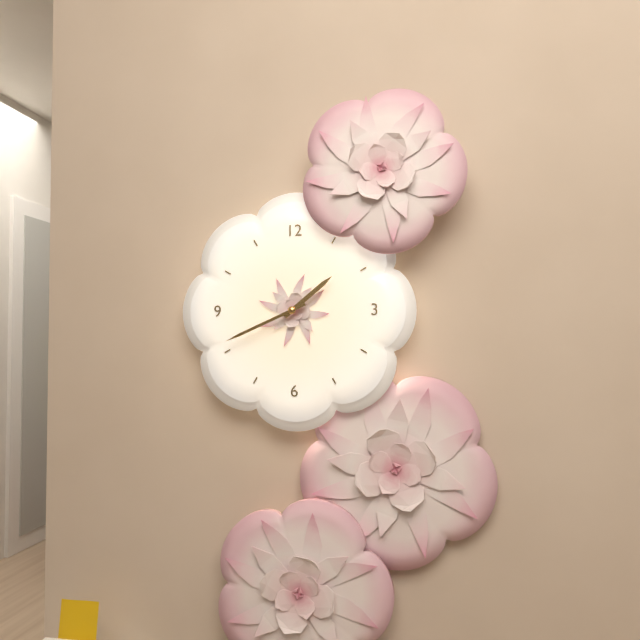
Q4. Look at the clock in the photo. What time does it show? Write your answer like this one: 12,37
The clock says 1,41
